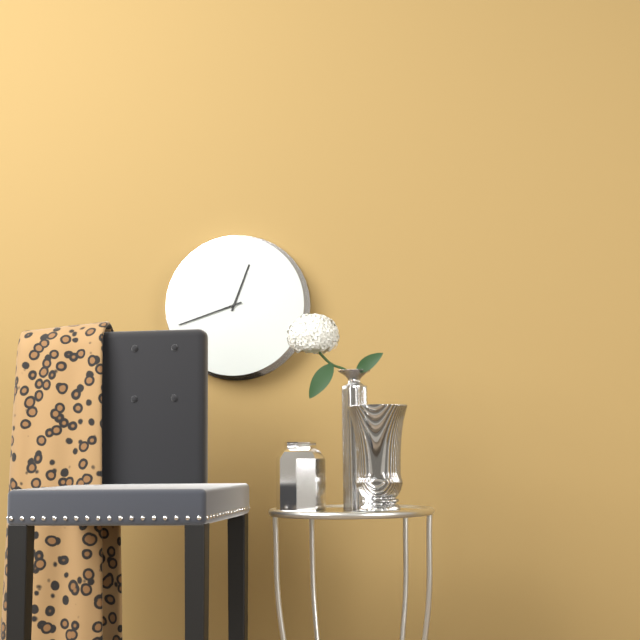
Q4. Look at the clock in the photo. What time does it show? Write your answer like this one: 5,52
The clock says 12,42
